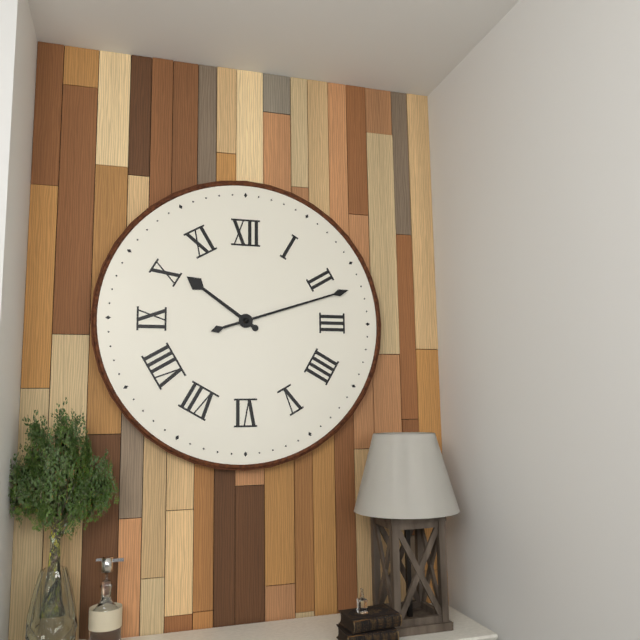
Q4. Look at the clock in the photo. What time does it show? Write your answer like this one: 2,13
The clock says 10,12
